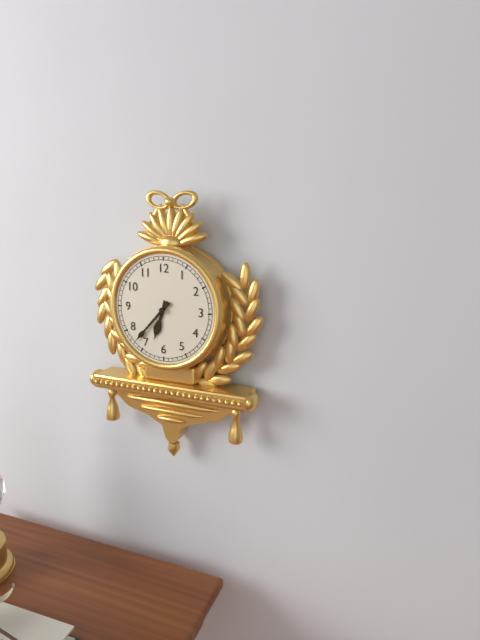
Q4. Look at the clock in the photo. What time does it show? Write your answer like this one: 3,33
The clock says 6,37
